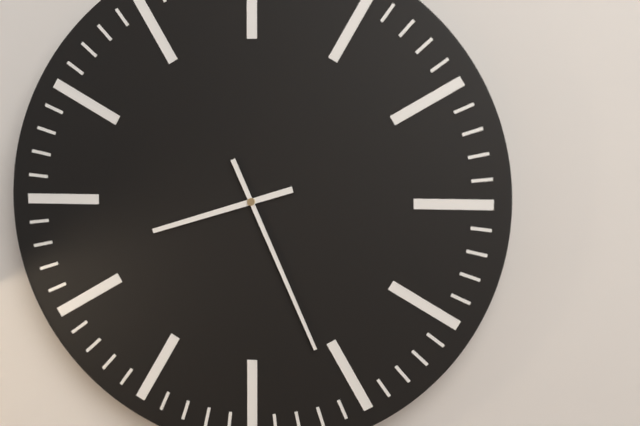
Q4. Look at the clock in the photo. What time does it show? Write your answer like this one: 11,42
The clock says 8,26
